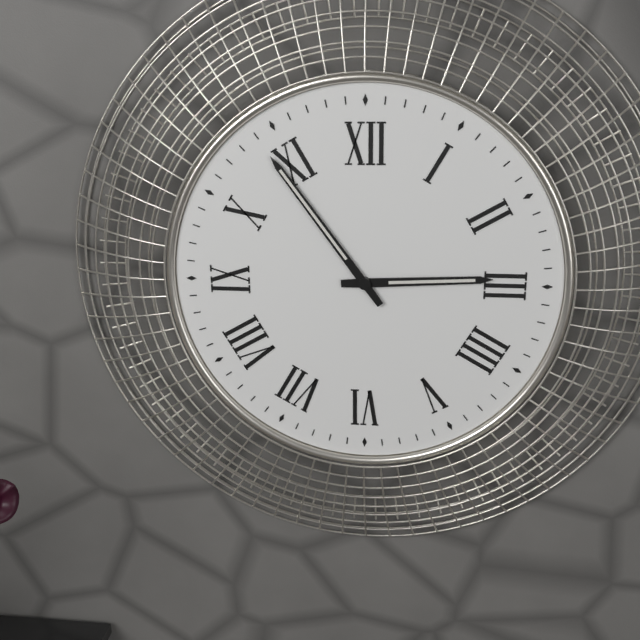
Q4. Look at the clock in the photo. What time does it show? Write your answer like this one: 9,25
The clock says 2,54
